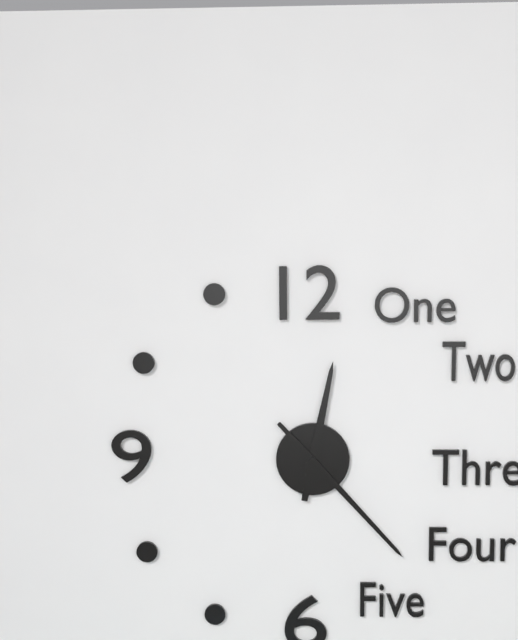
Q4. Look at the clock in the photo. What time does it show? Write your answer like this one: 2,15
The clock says 12,23
